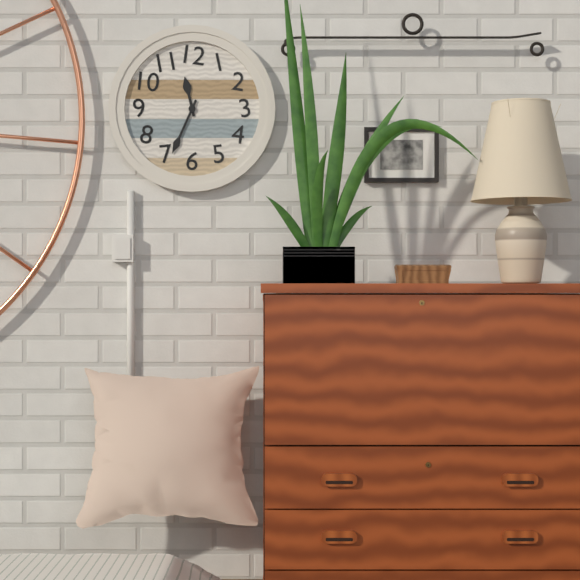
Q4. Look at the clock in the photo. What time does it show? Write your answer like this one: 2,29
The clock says 11,34
